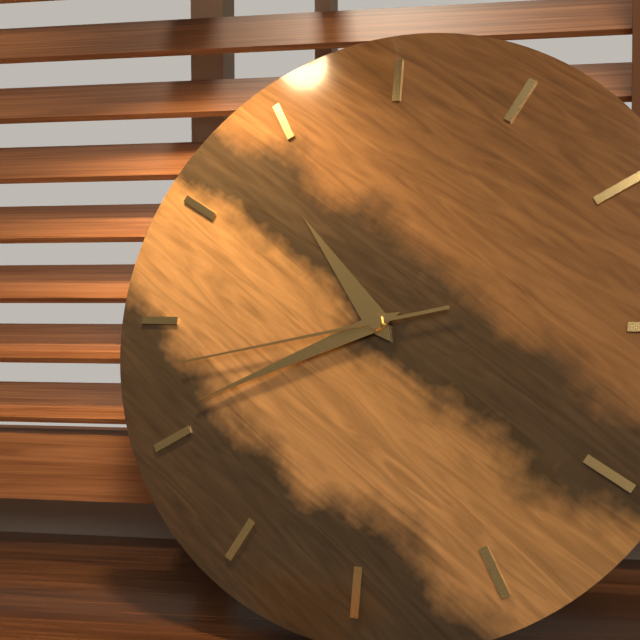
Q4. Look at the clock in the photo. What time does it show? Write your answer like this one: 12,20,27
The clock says 10,41,43
